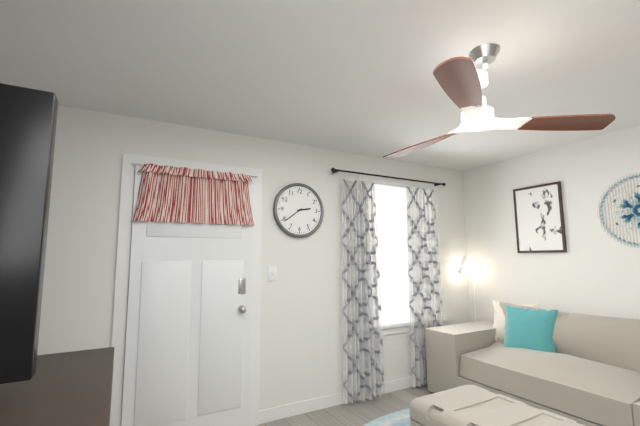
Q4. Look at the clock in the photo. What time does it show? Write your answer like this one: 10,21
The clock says 2,39
